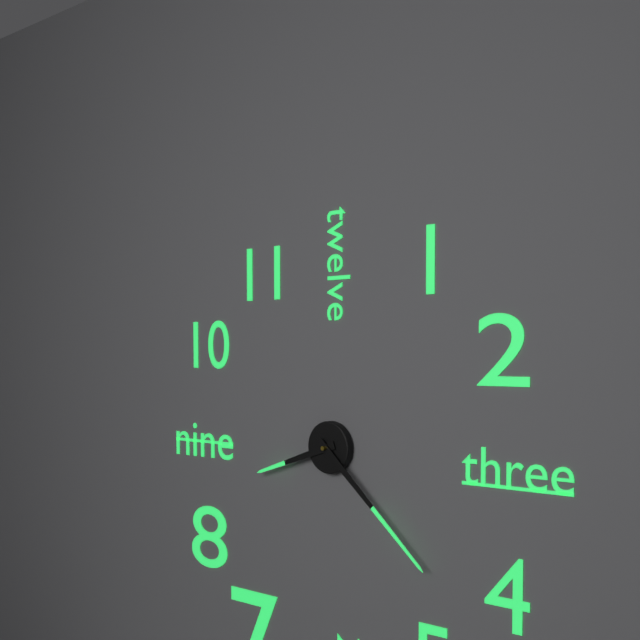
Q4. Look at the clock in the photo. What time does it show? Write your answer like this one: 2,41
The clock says 8,22
